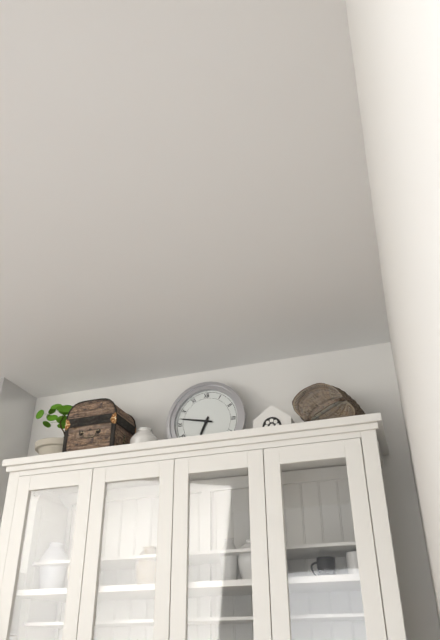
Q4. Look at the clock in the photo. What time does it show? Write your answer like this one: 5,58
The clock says 6,47
